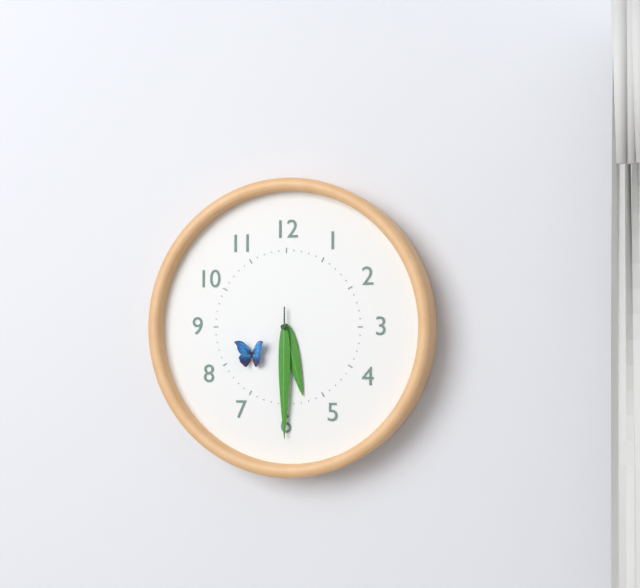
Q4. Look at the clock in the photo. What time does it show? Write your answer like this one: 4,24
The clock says 5,30
